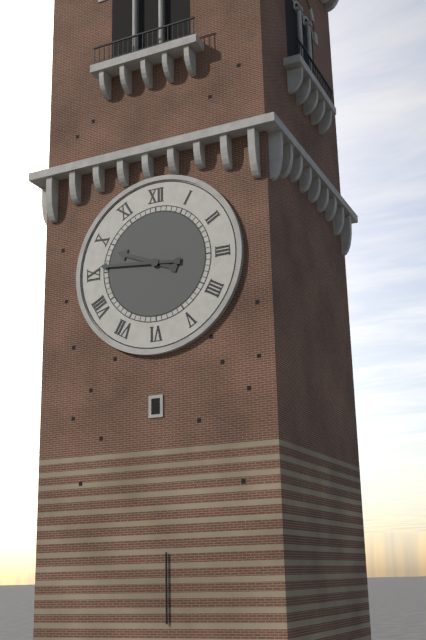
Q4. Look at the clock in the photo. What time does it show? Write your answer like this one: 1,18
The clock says 9,46
